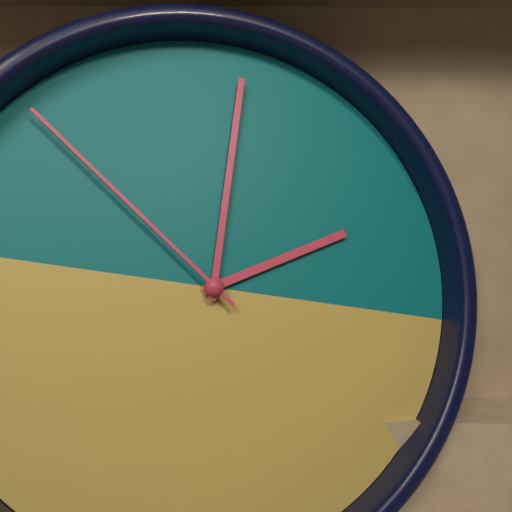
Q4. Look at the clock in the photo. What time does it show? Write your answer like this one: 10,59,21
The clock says 2,00,51
